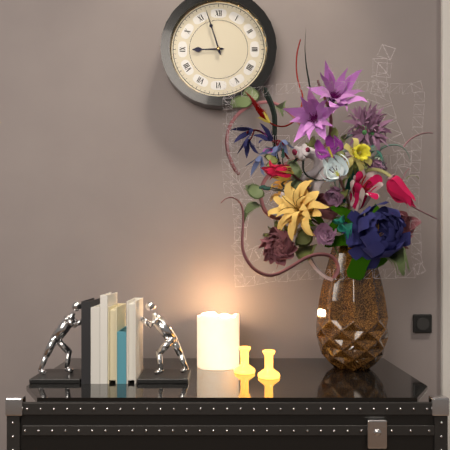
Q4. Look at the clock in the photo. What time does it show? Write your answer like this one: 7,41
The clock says 8,57
